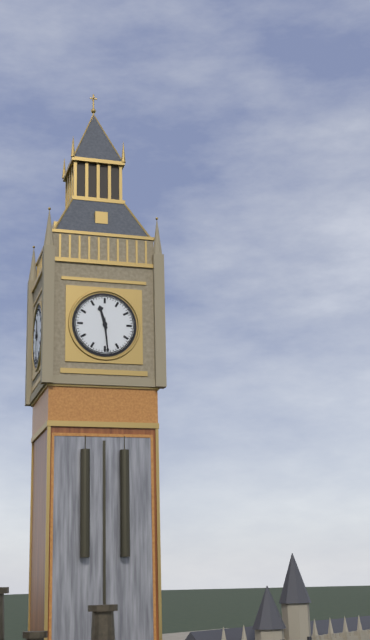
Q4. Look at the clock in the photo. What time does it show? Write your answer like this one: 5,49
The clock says 11,29
